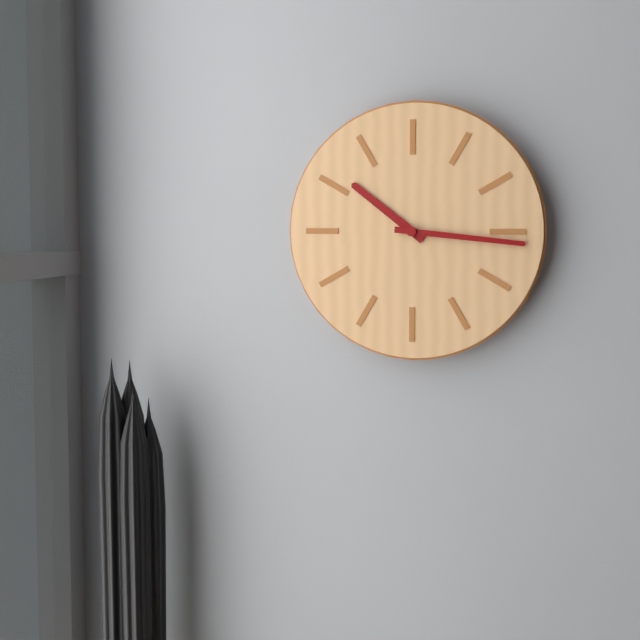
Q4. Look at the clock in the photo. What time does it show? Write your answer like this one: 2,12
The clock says 10,16
